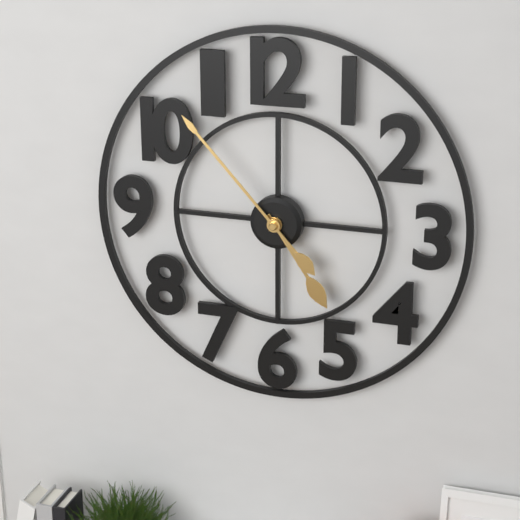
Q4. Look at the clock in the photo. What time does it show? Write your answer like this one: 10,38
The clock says 4,53
